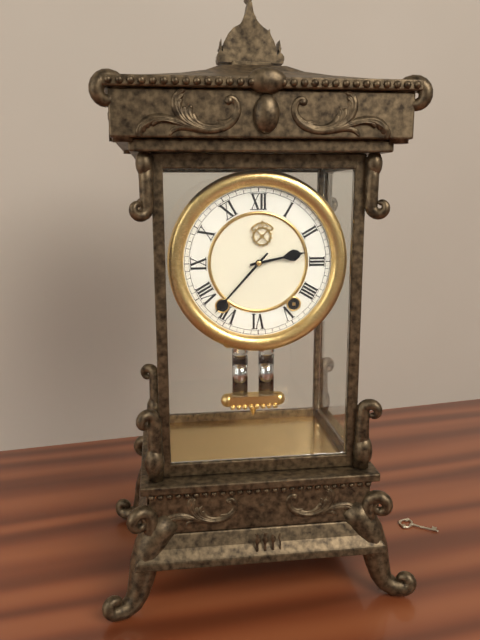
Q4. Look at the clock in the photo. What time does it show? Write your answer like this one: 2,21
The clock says 2,37
